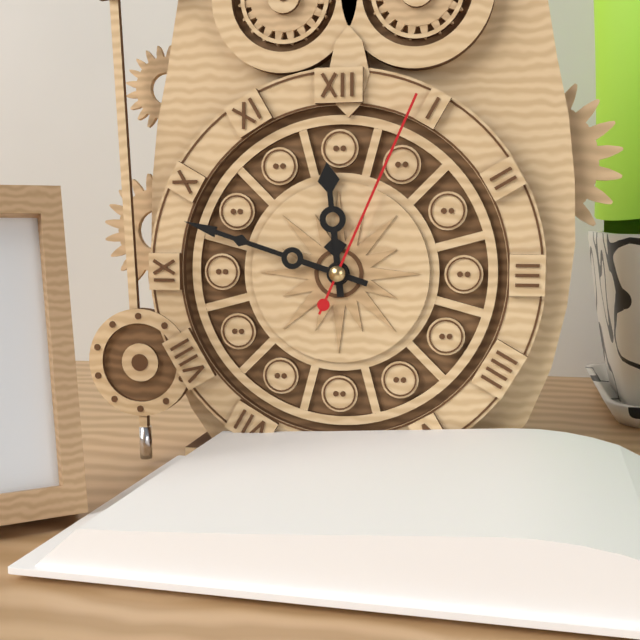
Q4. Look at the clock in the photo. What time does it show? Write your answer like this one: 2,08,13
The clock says 11,48,04
